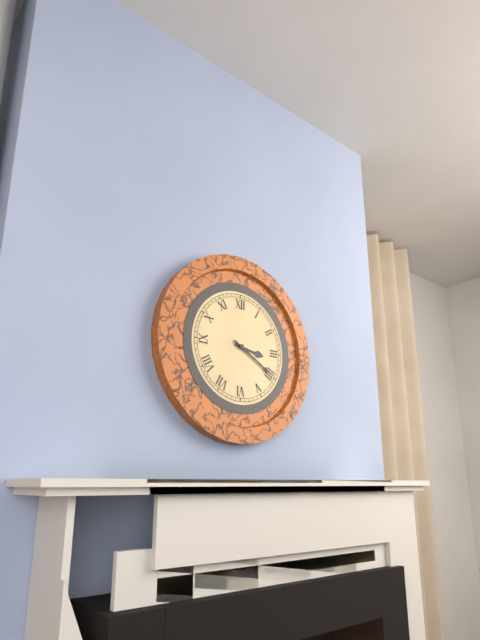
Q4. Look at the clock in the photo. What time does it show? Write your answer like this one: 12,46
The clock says 3,20
